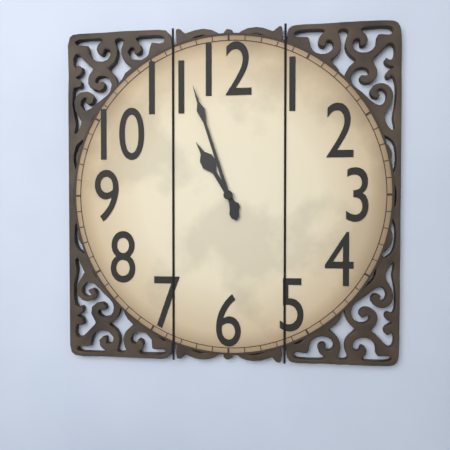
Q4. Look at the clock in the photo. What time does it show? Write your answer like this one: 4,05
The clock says 10,57
